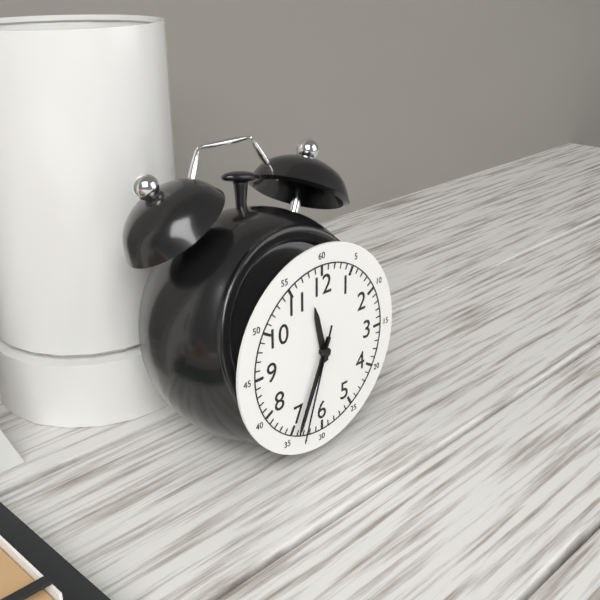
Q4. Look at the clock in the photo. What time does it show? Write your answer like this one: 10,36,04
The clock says 11,34,33
